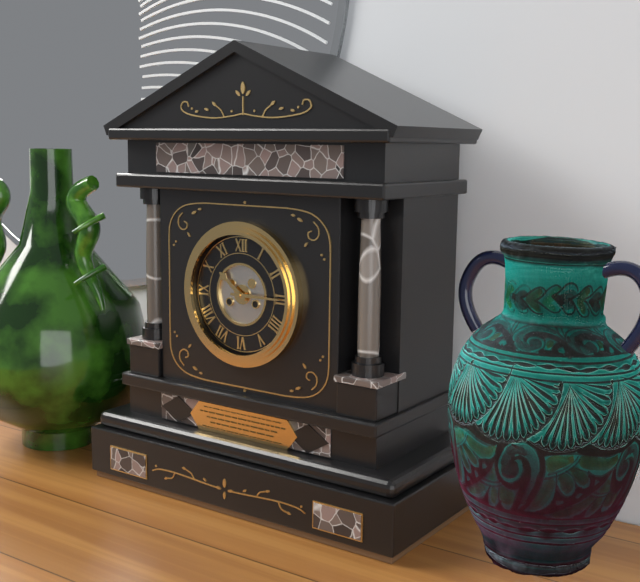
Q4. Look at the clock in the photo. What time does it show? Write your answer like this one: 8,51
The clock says 10,15
